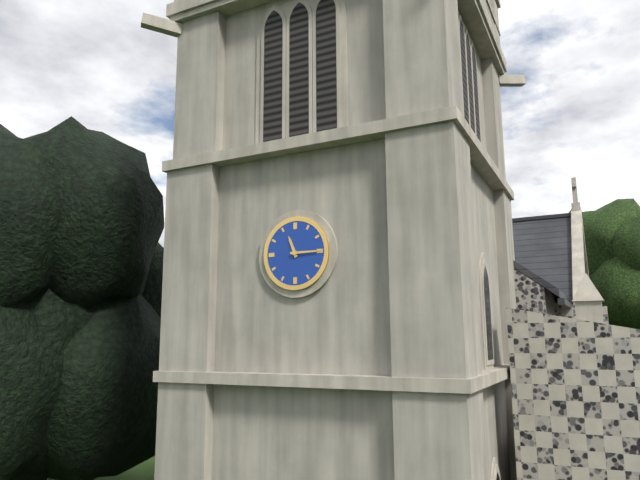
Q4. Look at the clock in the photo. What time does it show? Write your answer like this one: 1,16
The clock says 11,15
